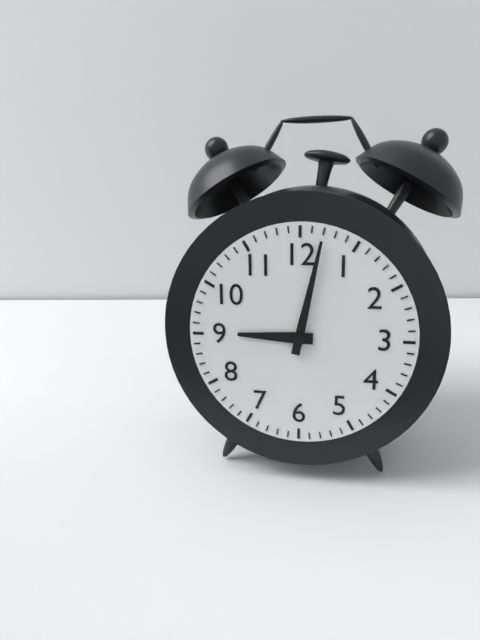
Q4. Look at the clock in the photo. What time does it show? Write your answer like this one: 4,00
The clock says 9,02
